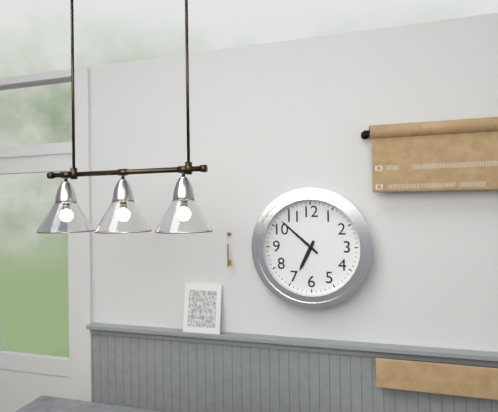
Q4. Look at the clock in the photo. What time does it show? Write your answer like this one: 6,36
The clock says 6,52
